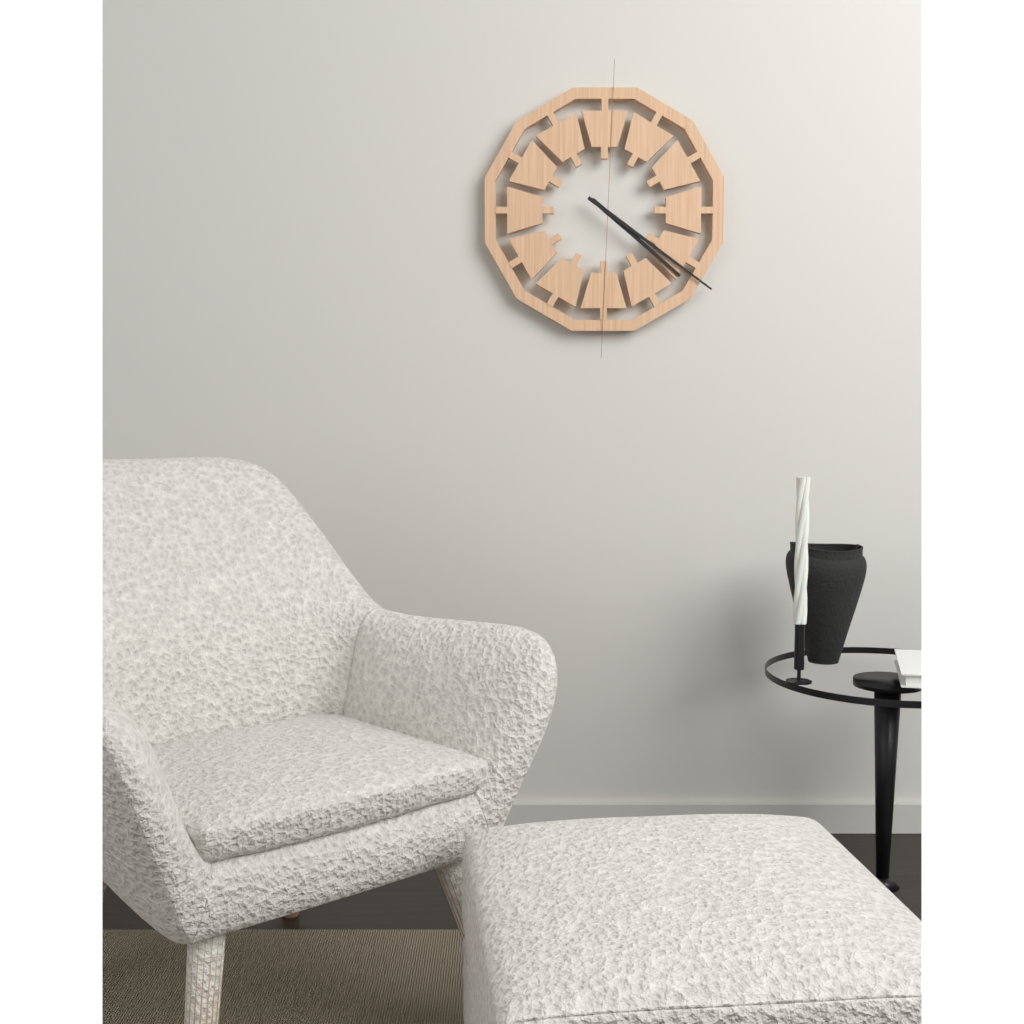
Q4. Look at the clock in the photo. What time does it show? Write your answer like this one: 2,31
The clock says 4,21
